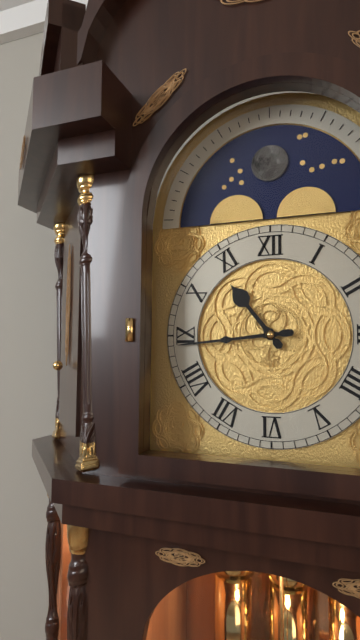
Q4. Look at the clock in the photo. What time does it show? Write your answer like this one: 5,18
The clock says 10,44
